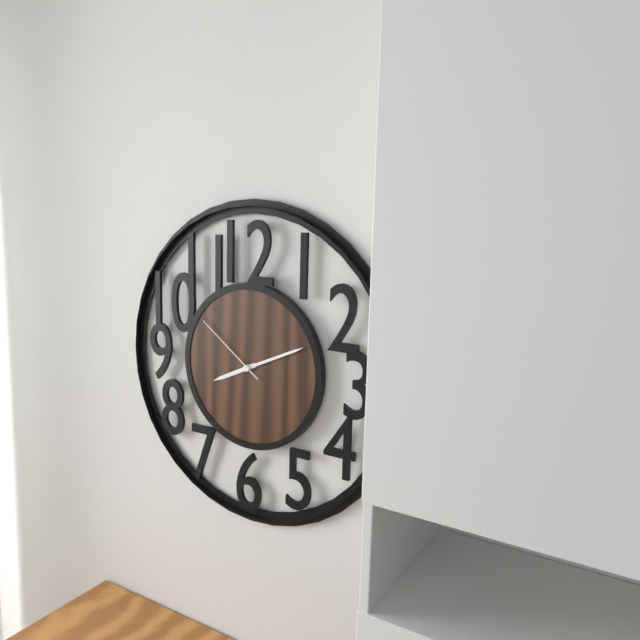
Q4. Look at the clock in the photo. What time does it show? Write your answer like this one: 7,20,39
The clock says 8,11,51
